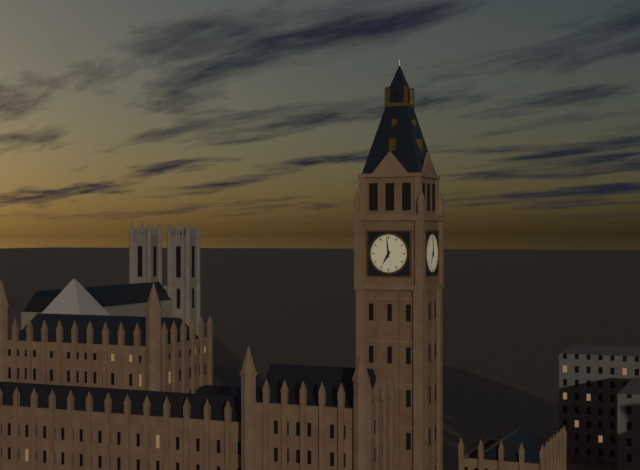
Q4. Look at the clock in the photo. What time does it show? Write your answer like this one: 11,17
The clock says 6,59
